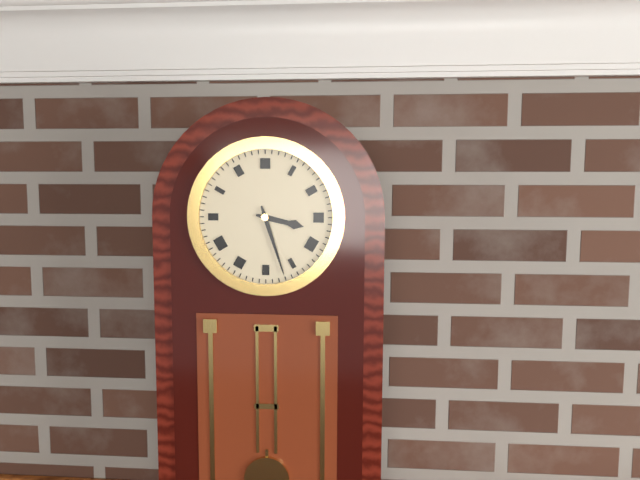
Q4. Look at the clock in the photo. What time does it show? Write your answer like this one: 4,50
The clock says 3,27
